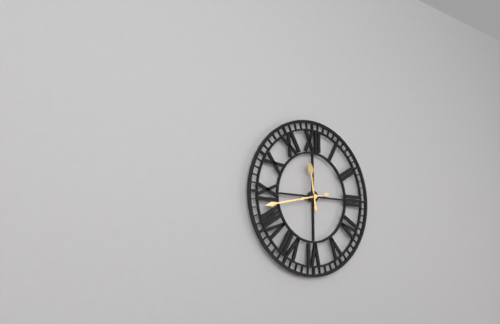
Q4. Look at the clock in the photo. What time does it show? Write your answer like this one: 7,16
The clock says 11,43
